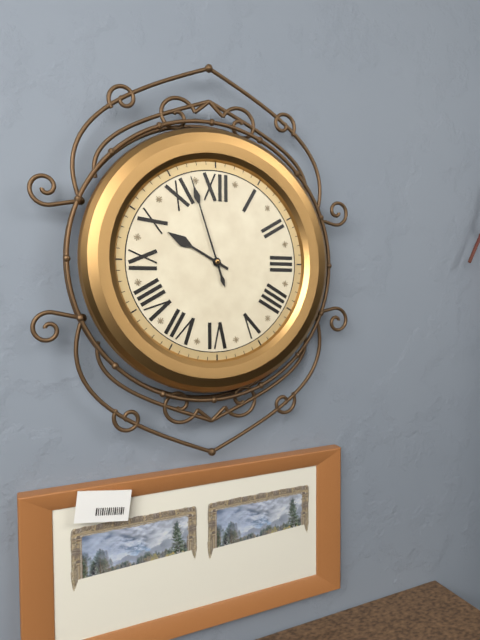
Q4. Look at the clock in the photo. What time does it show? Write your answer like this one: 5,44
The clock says 9,57
